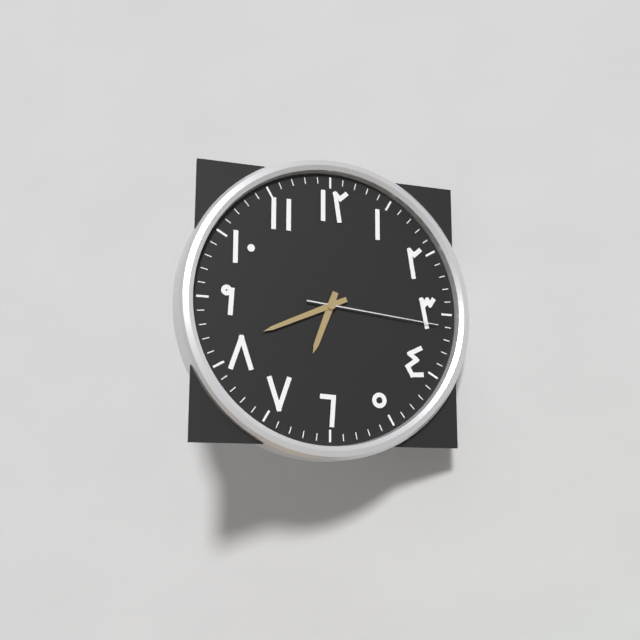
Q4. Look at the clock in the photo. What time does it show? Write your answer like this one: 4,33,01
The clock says 6,41,16
